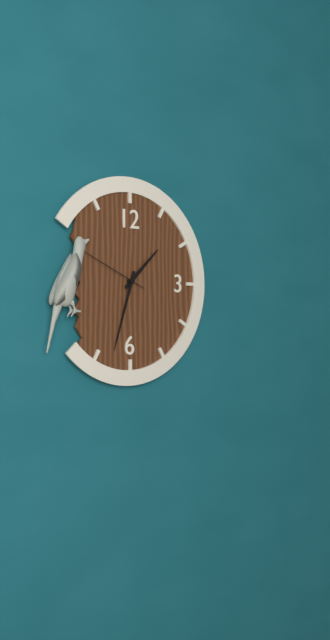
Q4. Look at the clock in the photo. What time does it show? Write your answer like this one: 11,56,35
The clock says 1,33,49
